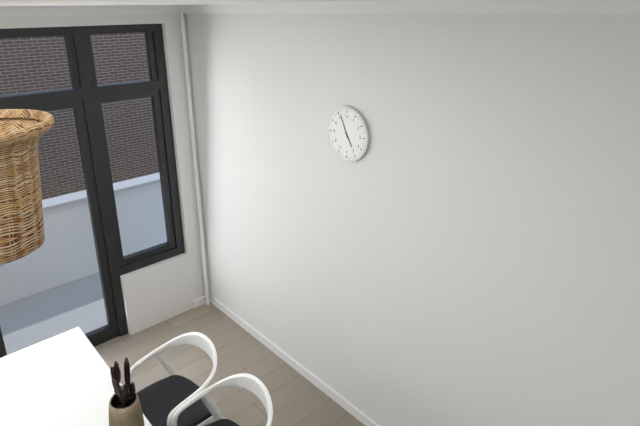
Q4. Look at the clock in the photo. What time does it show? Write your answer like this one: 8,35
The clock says 4,56
